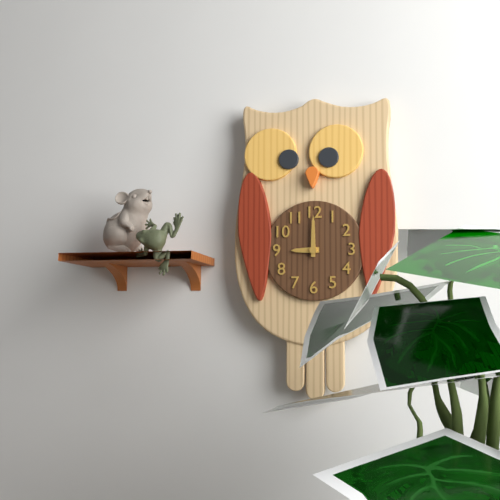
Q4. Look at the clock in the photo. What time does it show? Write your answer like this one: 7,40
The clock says 9,00
